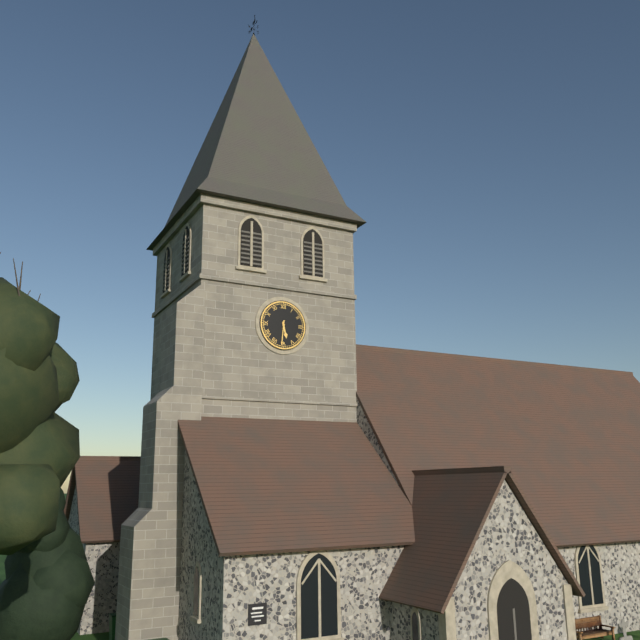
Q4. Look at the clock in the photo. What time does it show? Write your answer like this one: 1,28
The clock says 5,31
